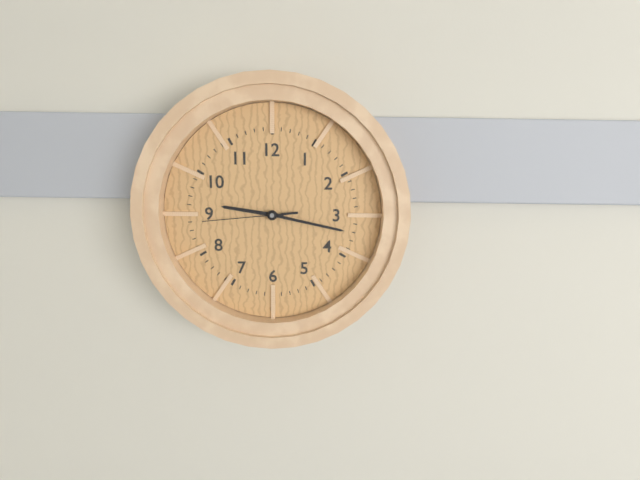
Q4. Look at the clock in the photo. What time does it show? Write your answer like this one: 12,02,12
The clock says 9,17,44
